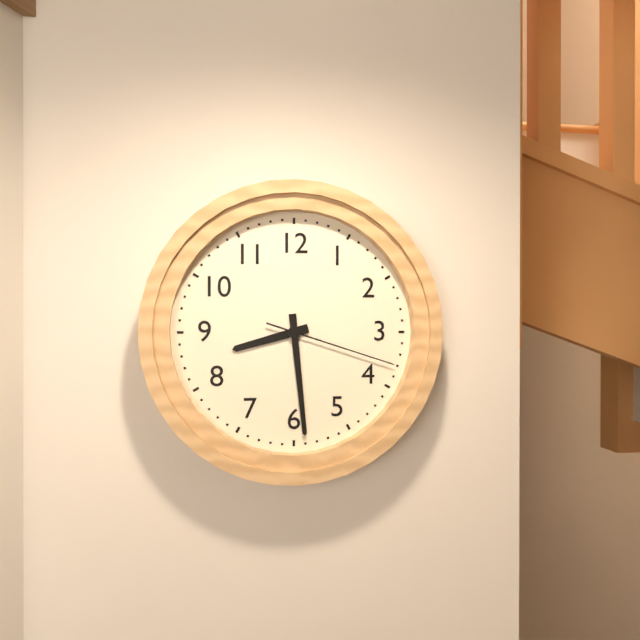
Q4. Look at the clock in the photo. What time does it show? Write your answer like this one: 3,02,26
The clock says 8,29,18
